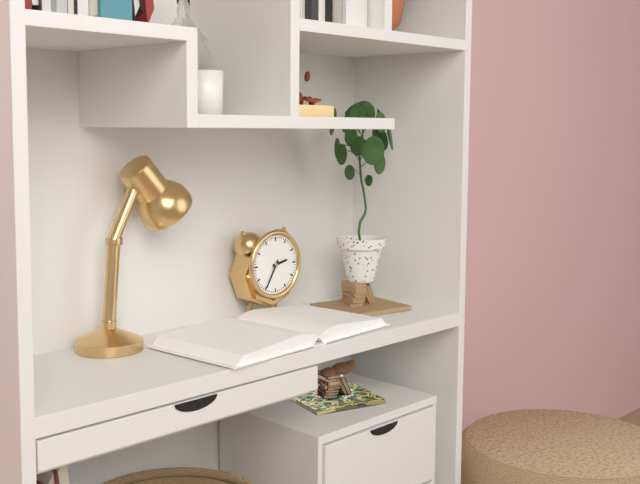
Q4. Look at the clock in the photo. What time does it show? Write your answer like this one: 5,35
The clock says 2,35
